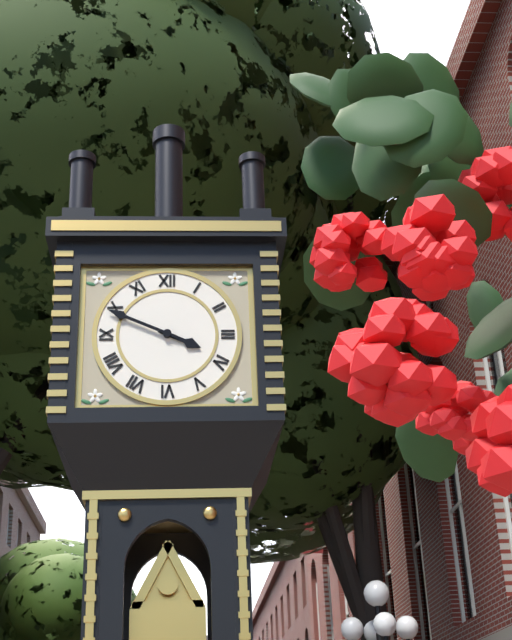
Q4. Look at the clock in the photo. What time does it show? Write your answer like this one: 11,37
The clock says 3,49
